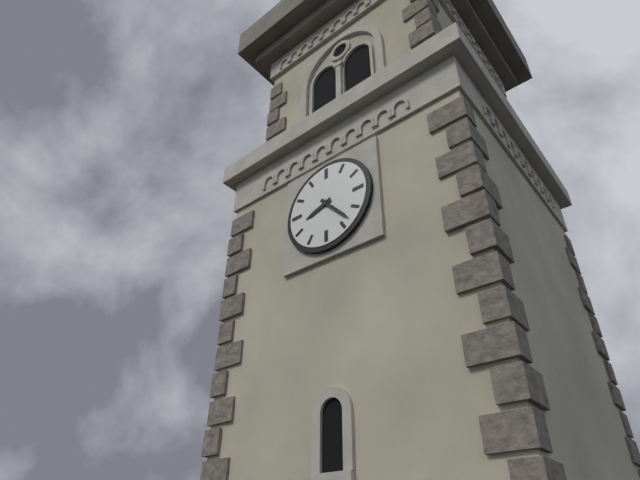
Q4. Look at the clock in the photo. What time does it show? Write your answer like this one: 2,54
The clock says 8,23
